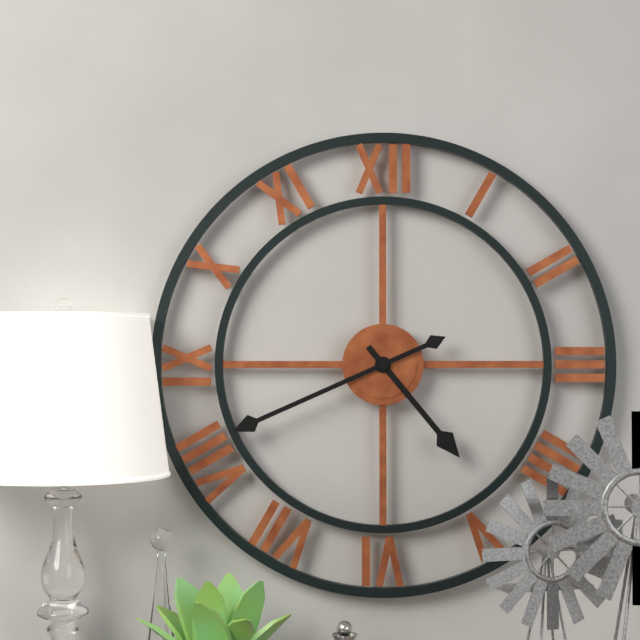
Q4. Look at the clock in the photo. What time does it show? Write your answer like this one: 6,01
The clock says 4,41
